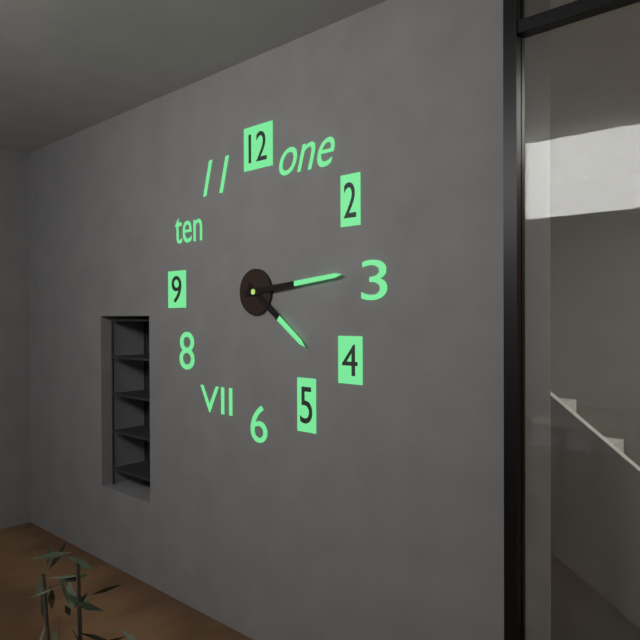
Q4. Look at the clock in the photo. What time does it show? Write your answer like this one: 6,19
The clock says 4,14
